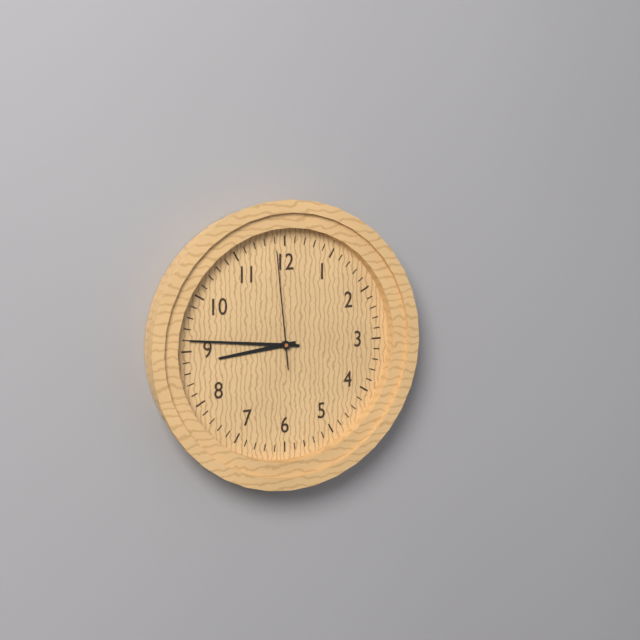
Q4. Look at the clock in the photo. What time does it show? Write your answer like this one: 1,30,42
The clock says 8,46,59
